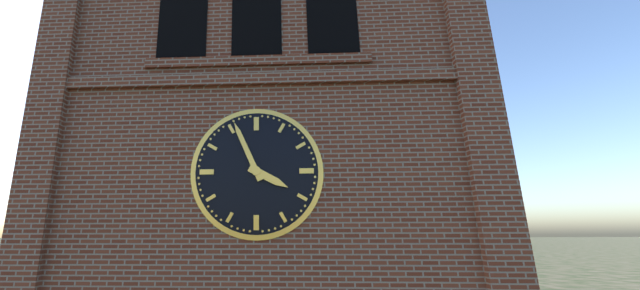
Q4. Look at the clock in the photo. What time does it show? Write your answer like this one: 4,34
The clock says 3,56
